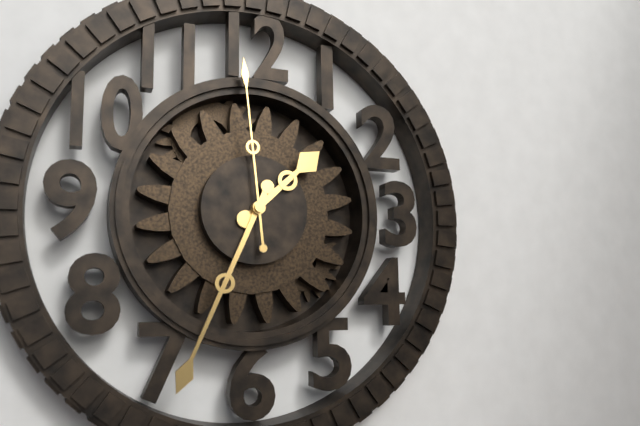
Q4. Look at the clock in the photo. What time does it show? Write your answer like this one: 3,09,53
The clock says 1,34,59
